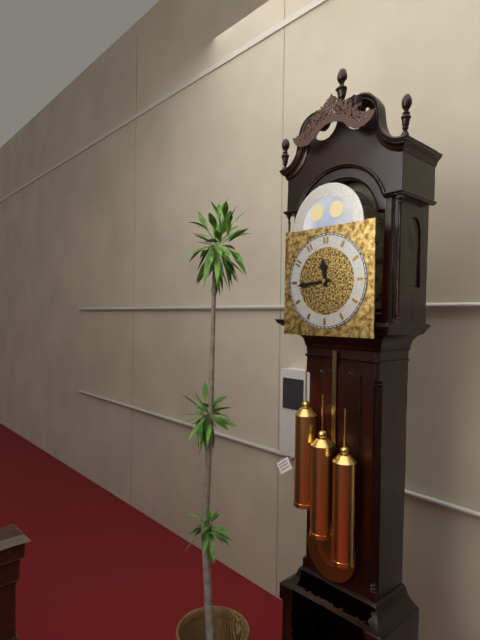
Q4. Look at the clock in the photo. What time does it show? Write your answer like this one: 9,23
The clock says 11,44
